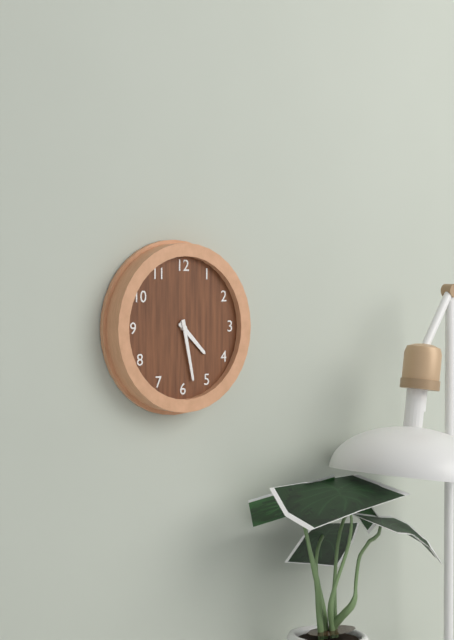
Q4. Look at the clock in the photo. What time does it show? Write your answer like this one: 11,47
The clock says 4,28
